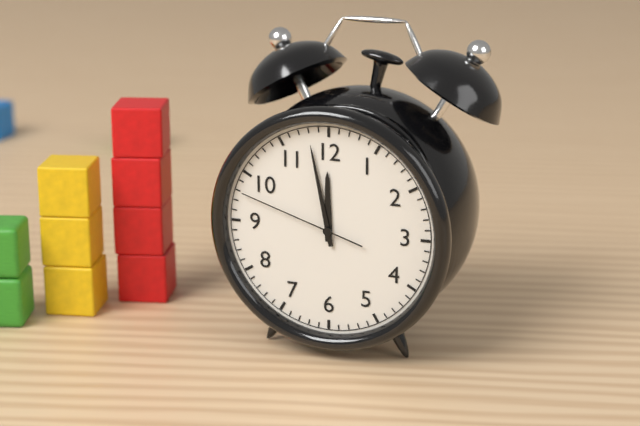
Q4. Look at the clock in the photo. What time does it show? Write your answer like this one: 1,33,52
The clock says 11,58,48
